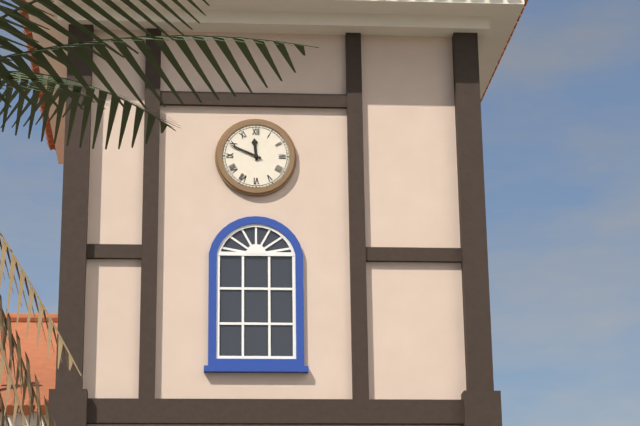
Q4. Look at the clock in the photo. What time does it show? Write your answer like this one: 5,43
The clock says 11,49
